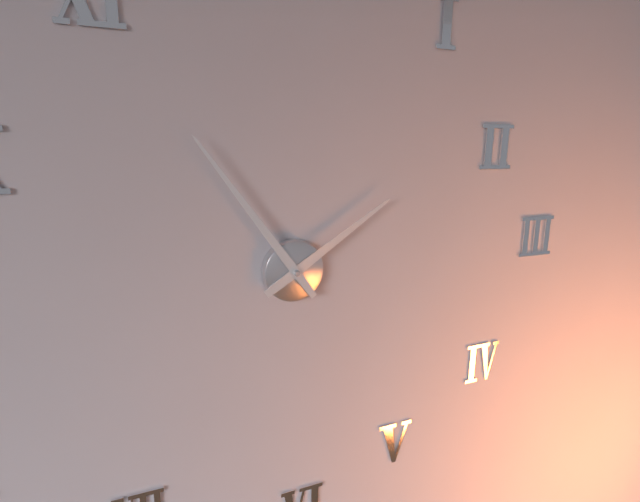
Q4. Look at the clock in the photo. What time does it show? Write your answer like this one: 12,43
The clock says 1,54
